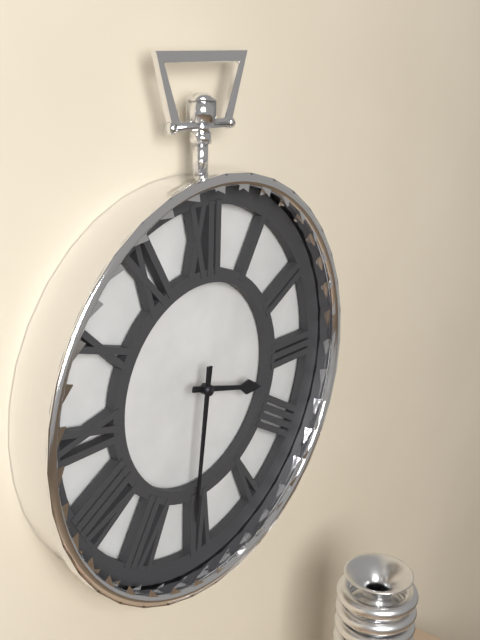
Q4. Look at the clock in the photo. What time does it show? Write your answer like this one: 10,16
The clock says 3,31
